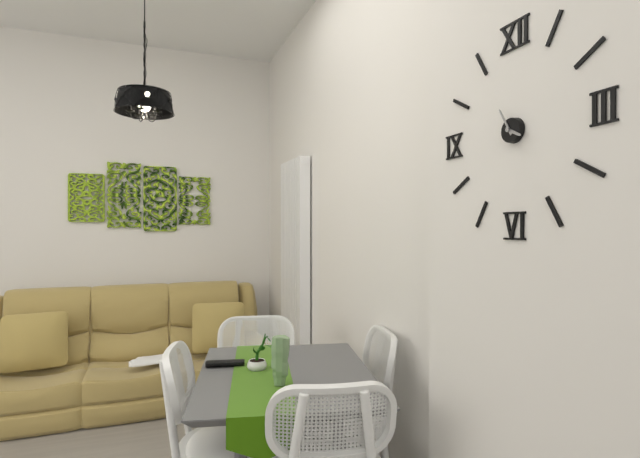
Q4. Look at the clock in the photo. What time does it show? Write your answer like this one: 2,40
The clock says 3,55
